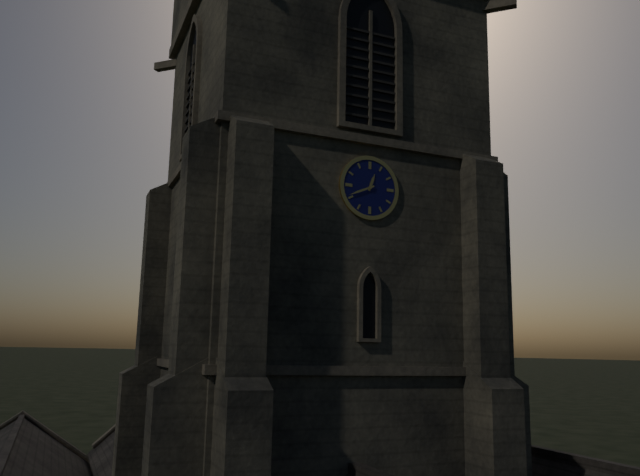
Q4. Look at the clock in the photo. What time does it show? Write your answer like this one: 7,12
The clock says 12,41
